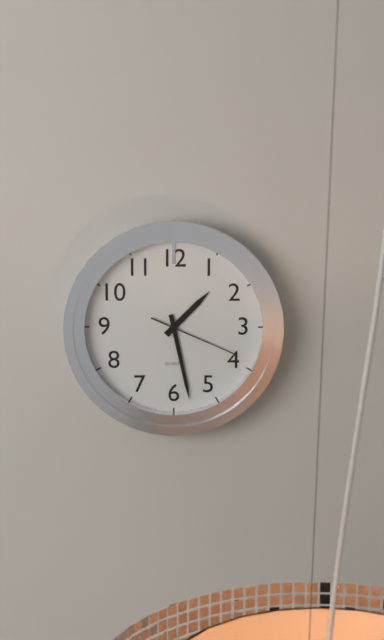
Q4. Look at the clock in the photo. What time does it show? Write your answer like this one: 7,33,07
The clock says 1,28,19
